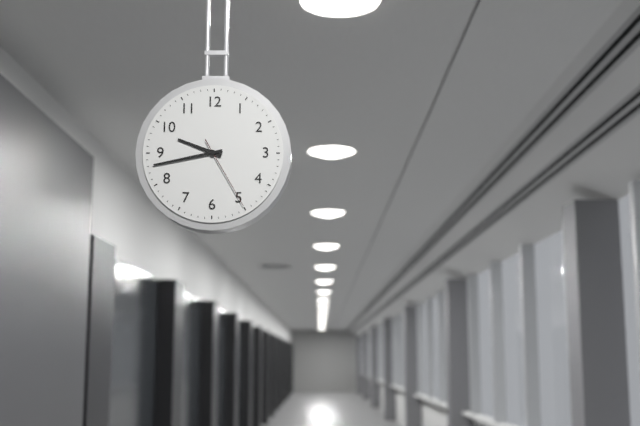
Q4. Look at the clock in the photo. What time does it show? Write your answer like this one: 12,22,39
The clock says 9,43,25
